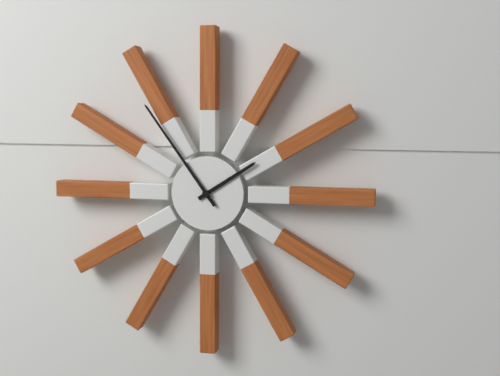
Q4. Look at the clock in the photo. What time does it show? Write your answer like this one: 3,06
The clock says 1,54
